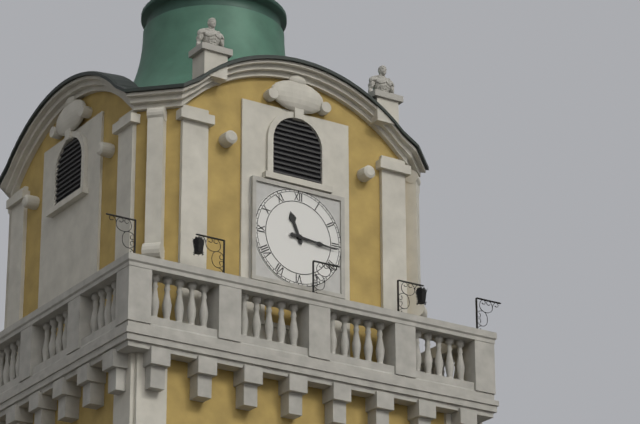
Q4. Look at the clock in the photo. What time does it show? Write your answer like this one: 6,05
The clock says 11,16
